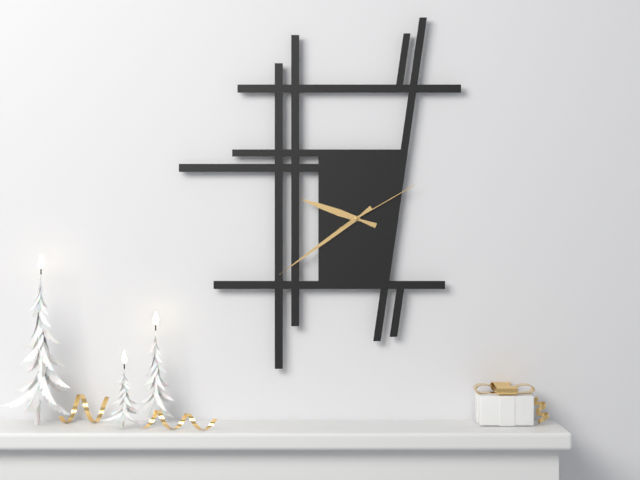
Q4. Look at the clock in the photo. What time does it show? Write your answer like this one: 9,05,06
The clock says 9,39,10
